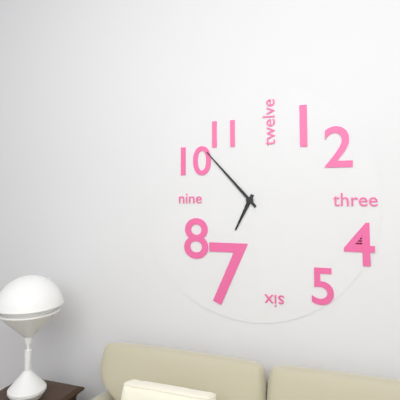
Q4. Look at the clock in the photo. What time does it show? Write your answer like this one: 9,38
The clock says 6,53
